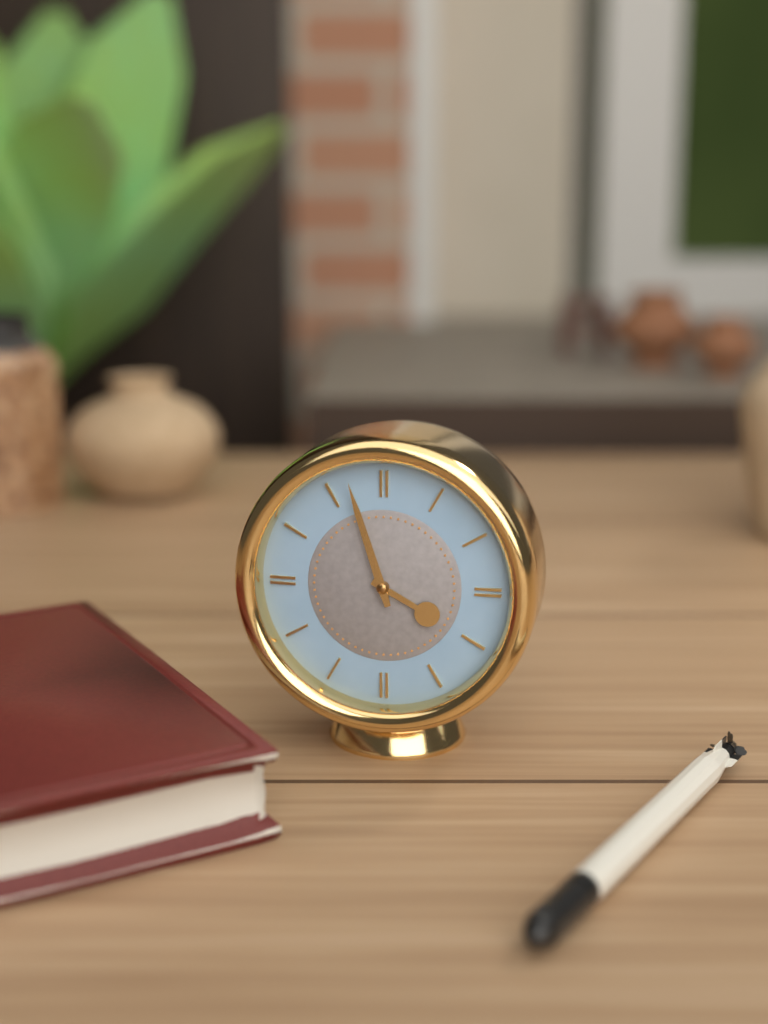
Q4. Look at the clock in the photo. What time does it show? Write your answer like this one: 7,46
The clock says 3,57
